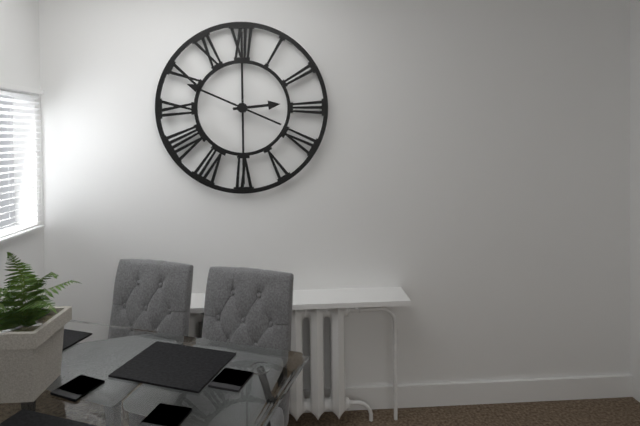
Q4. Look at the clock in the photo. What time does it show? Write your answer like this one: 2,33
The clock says 2,49
